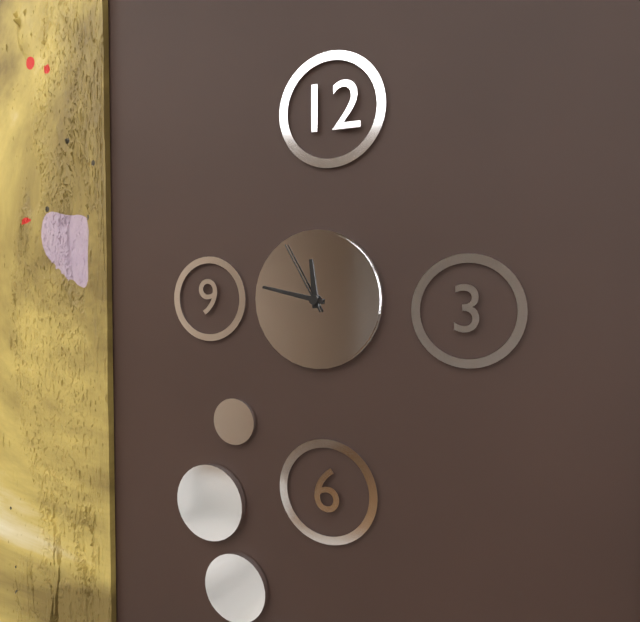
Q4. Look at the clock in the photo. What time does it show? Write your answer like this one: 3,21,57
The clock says 11,47,55
